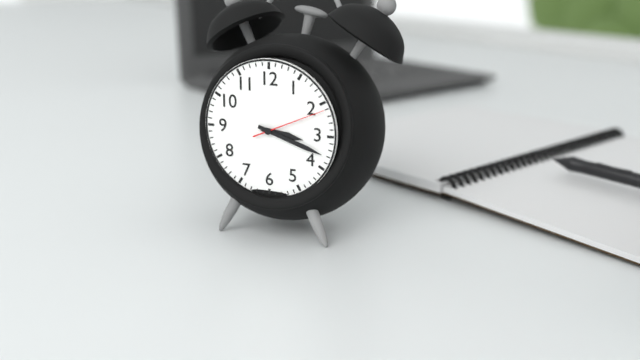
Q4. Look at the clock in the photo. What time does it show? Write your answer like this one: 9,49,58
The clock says 3,18,11
